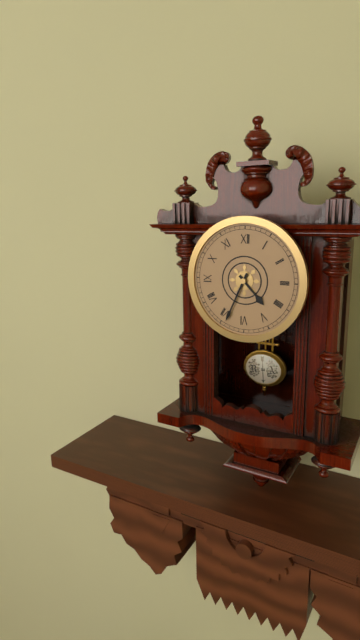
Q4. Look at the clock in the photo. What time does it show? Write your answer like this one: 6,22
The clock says 4,34
